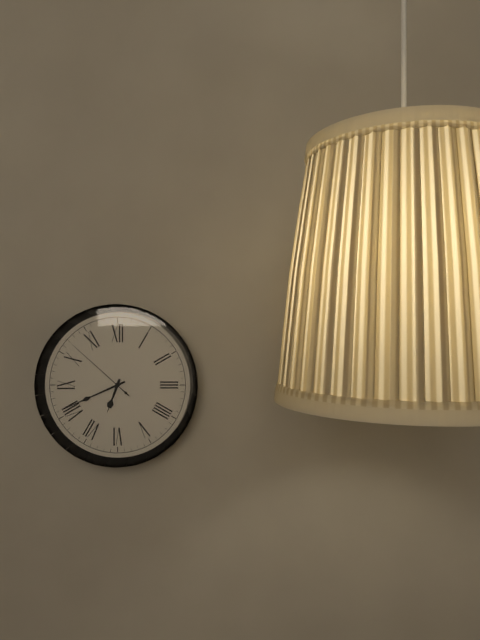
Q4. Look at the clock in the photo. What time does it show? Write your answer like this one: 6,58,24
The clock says 6,41,52
